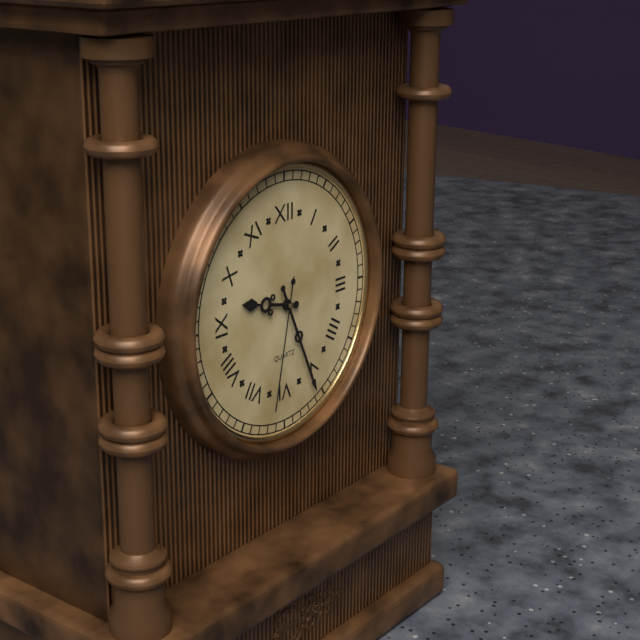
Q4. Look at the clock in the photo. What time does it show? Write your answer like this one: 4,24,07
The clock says 9,26,32
